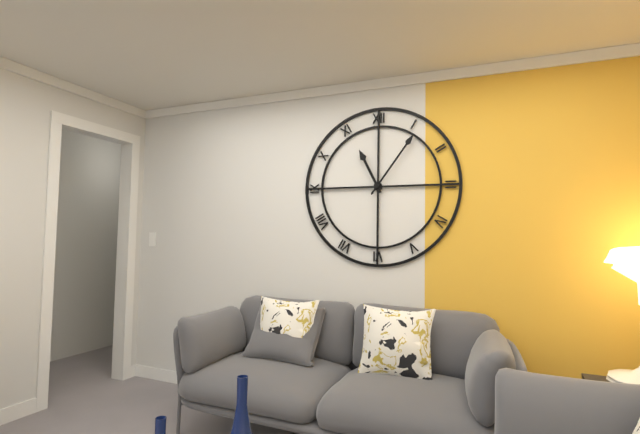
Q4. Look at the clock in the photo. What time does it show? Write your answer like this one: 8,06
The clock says 11,06
